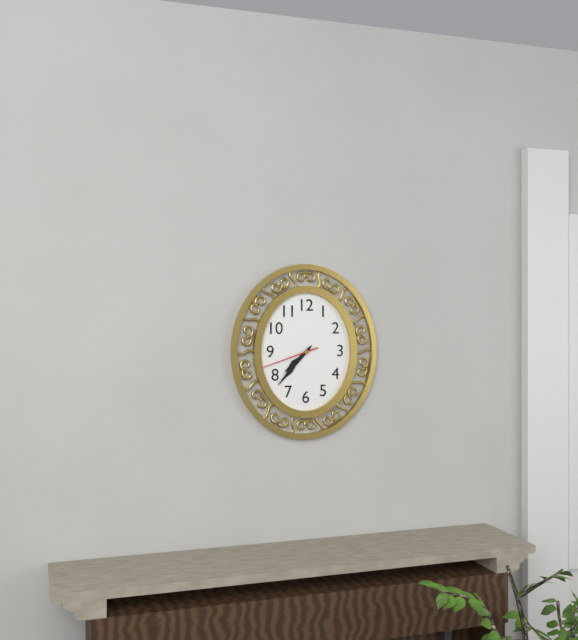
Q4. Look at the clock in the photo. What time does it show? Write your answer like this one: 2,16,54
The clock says 7,37,42
